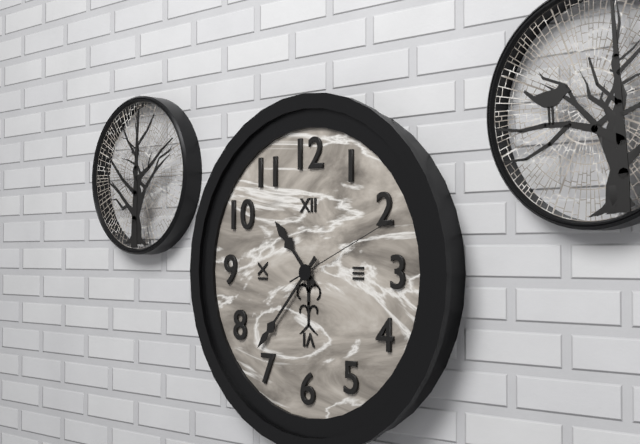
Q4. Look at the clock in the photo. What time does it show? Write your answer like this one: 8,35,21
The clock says 10,37,11
